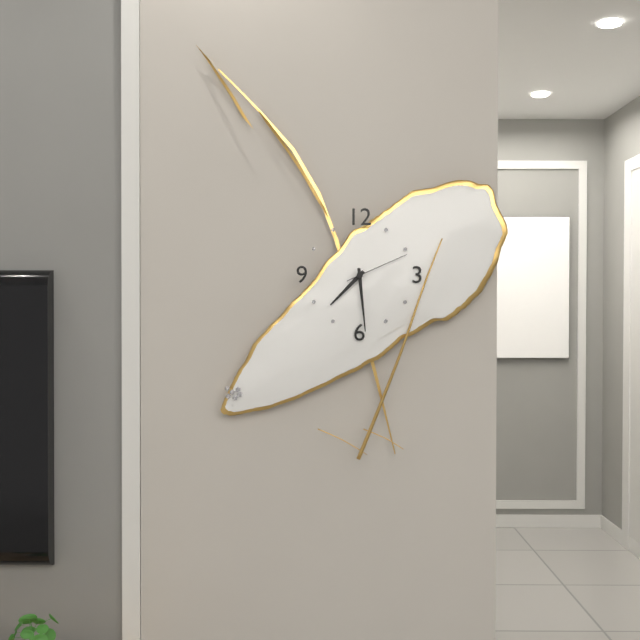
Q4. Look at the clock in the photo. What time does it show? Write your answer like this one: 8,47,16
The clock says 7,29,11
